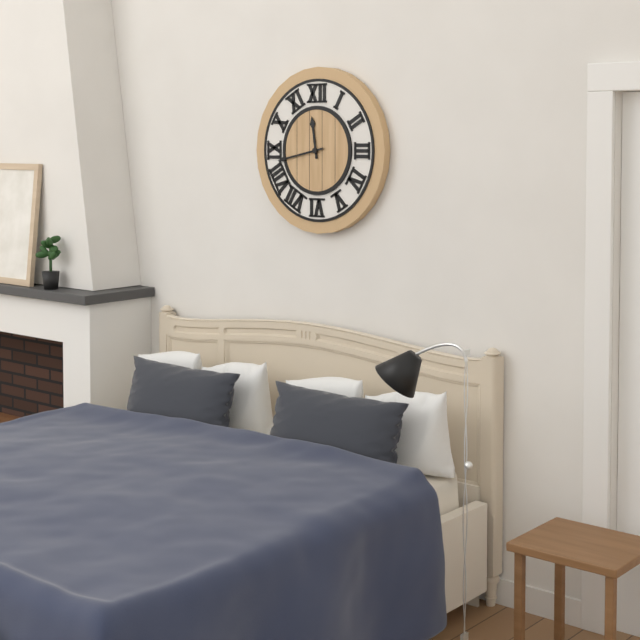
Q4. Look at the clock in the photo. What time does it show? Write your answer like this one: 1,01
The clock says 11,43
